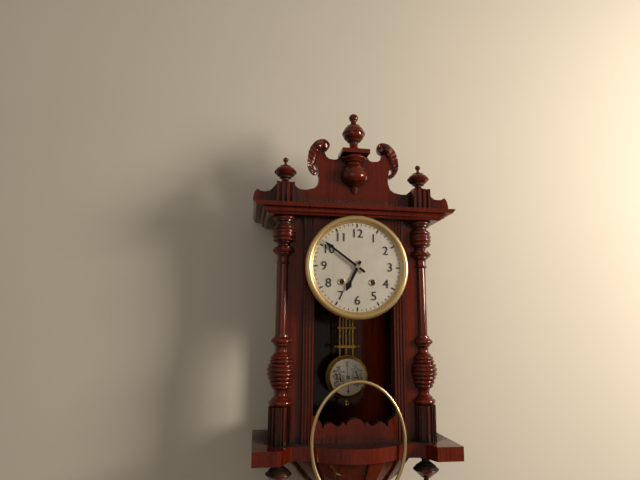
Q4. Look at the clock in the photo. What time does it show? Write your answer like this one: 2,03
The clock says 6,51
